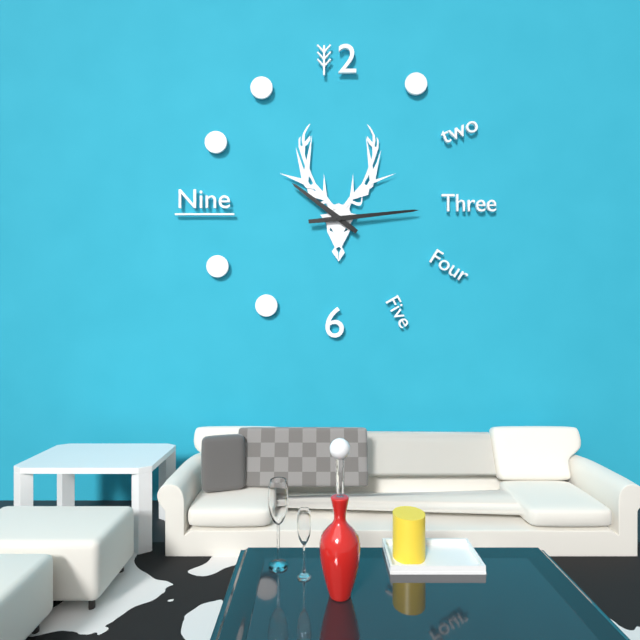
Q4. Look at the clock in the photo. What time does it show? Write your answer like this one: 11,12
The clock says 10,14
